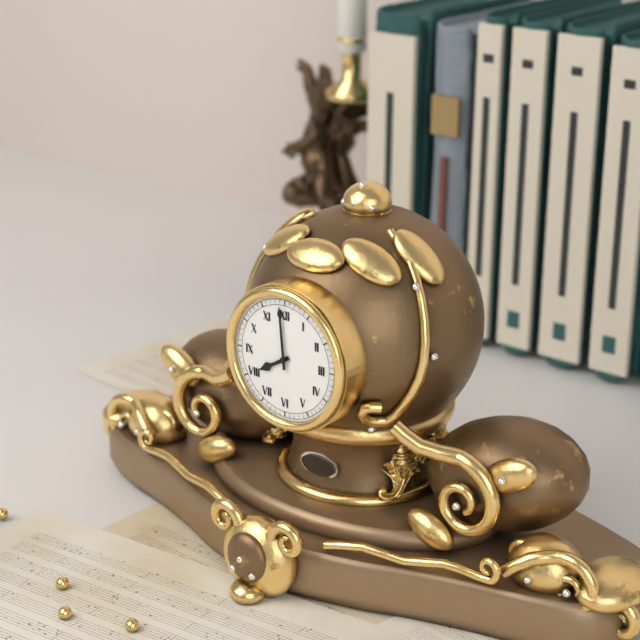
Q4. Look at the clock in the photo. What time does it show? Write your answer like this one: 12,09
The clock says 7,59
